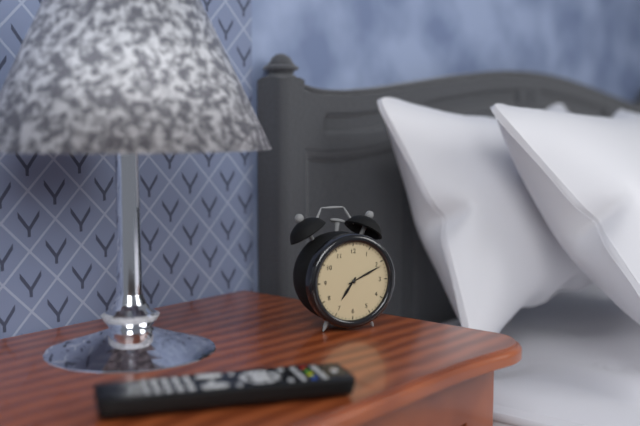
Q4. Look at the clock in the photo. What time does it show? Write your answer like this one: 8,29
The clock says 7,11
